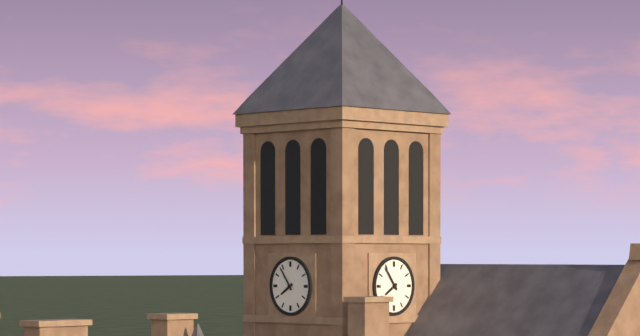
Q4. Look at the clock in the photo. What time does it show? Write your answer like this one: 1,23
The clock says 7,54
